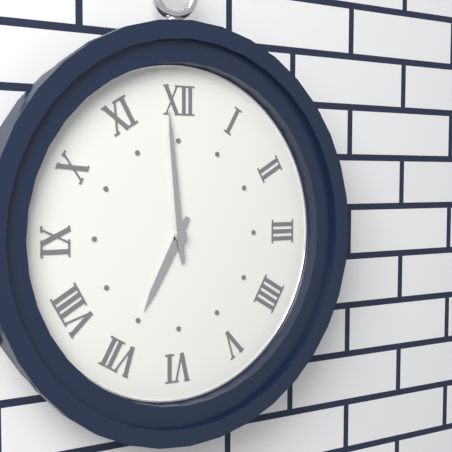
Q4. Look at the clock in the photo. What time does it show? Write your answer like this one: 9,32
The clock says 6,59
